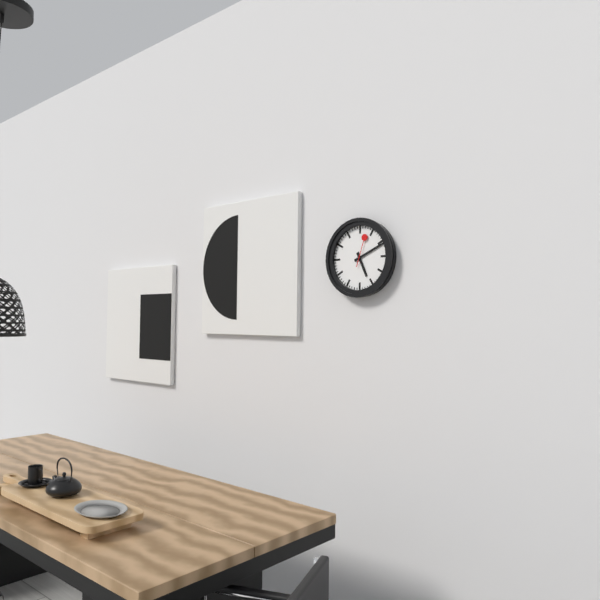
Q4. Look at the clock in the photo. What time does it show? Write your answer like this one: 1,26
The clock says 5,11
